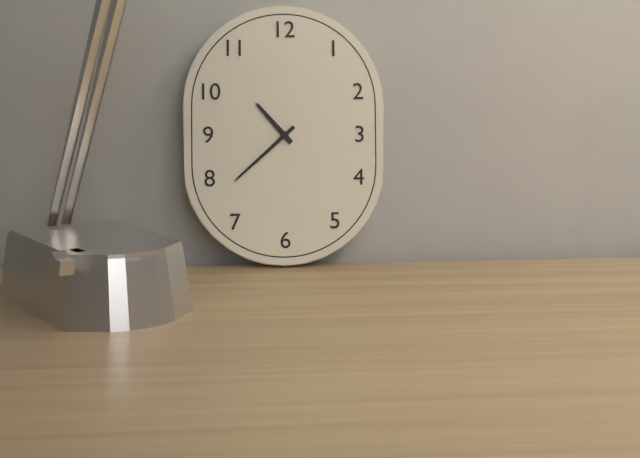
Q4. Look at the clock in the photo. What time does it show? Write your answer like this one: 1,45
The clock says 10,38
